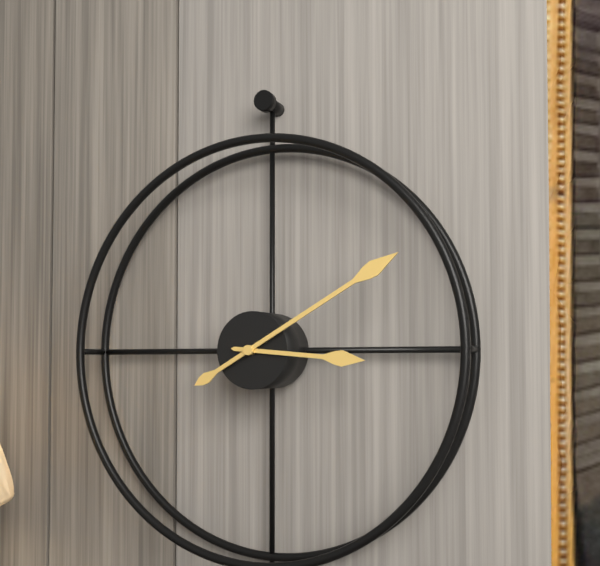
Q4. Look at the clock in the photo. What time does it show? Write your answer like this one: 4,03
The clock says 3,10
